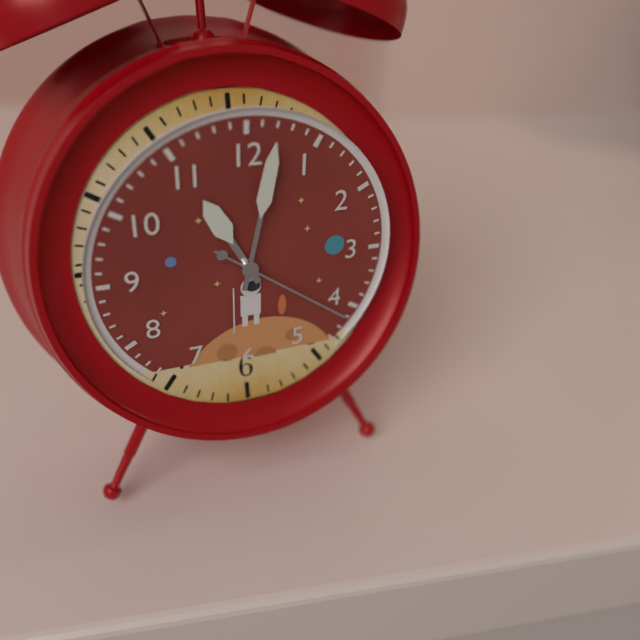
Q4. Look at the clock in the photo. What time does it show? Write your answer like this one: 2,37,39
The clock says 11,02,21
